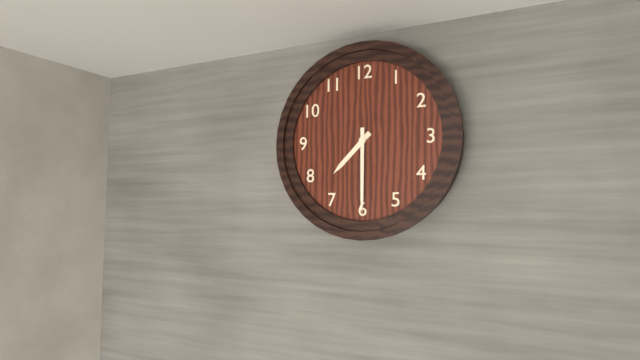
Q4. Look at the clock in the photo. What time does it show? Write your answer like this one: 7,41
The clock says 7,30
